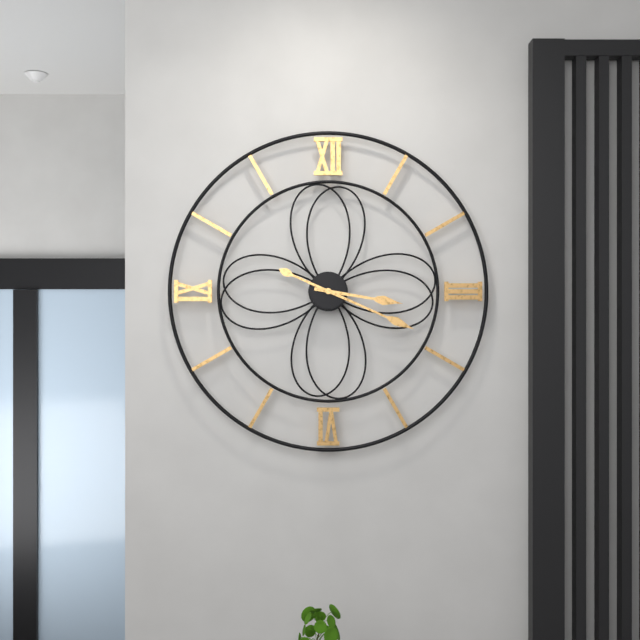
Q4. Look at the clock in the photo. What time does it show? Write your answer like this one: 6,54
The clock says 3,19
